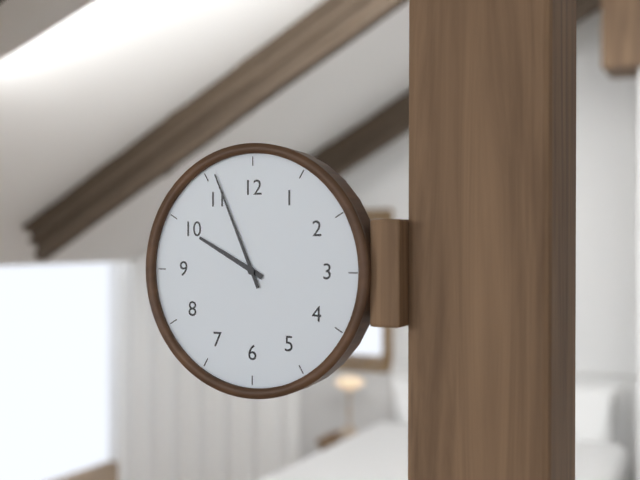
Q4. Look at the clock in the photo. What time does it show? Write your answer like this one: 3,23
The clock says 9,56
